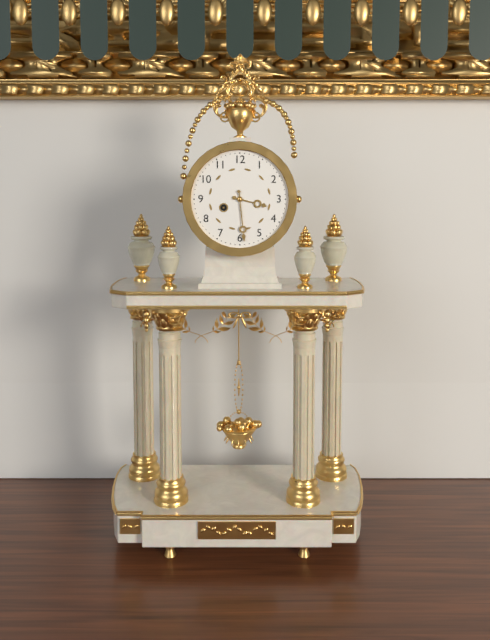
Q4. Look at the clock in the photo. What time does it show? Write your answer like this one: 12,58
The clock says 3,29
